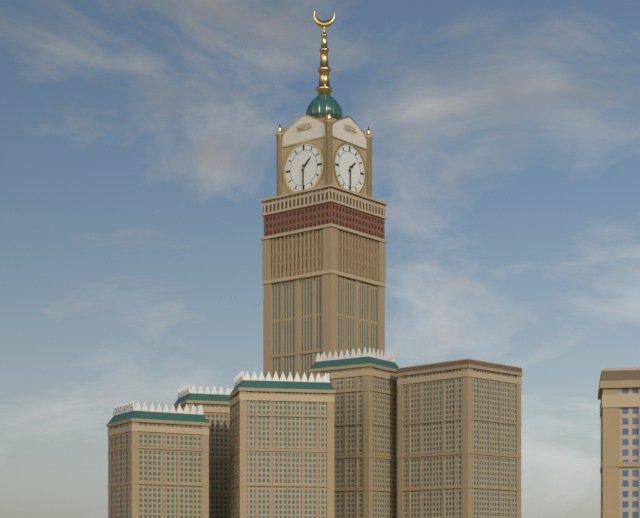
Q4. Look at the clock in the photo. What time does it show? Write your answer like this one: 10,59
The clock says 1,30
